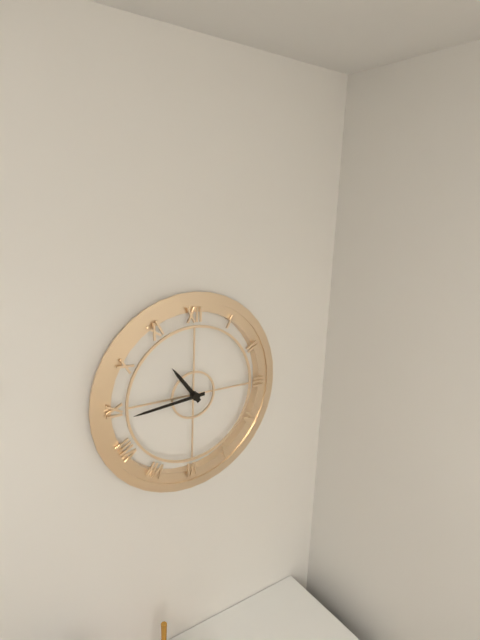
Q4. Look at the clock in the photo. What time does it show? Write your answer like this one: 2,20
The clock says 10,44
